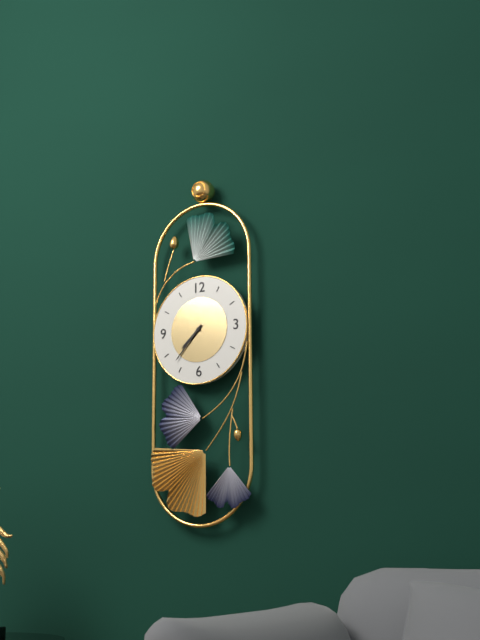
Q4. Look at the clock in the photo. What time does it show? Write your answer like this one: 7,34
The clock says 7,37
